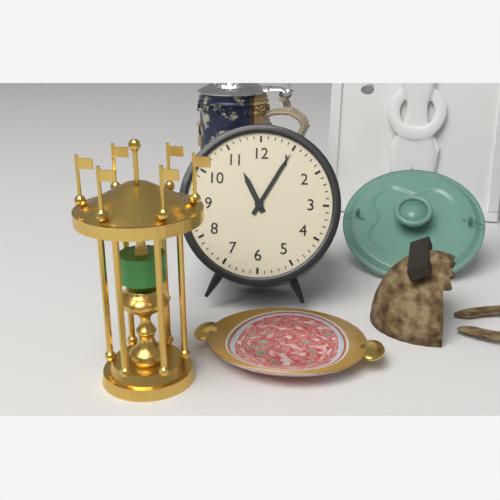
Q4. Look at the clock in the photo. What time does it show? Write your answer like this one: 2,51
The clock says 11,05
